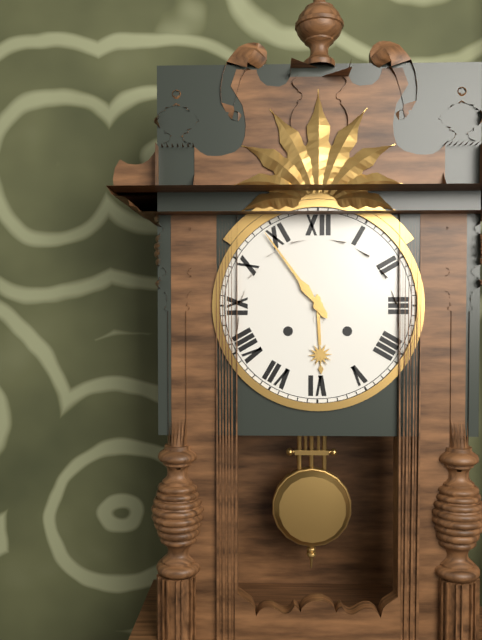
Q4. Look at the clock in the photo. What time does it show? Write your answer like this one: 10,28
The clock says 5,54
